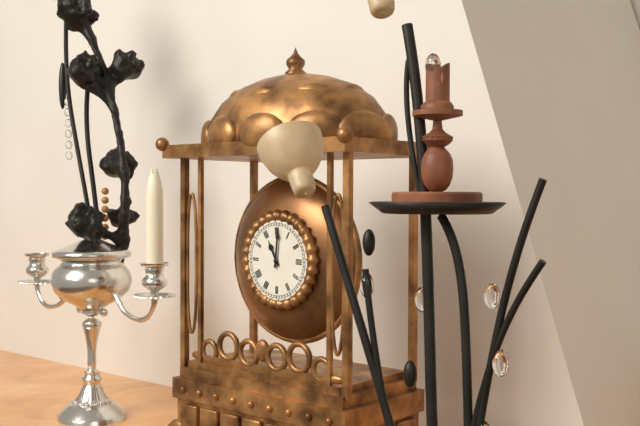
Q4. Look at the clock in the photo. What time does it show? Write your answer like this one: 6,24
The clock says 11,01
